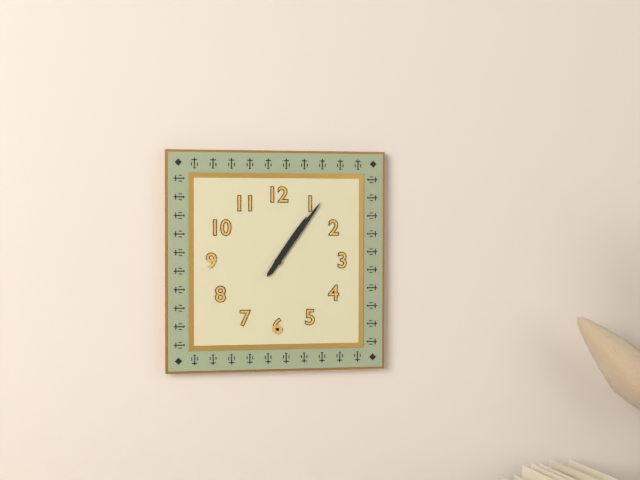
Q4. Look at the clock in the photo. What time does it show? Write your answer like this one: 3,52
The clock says 1,06
